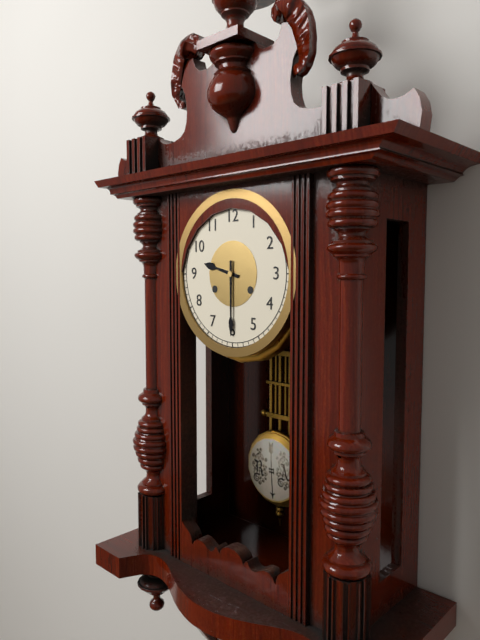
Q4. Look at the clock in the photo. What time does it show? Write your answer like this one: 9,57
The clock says 9,30
